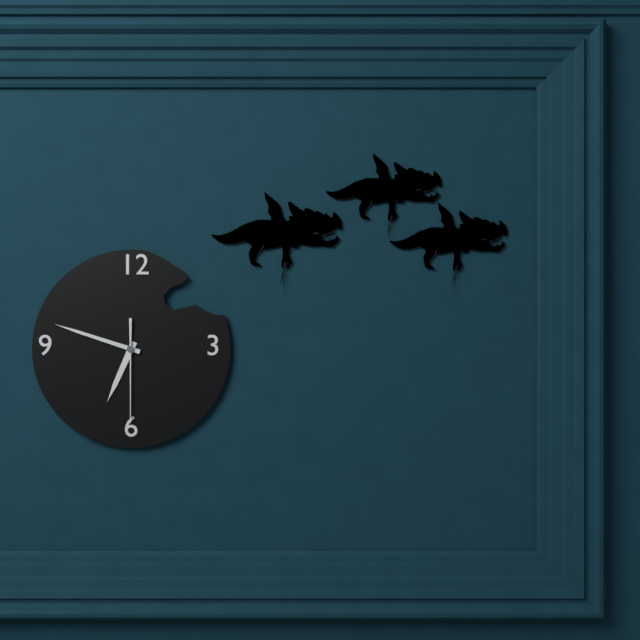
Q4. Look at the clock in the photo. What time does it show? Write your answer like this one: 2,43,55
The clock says 6,48,30
